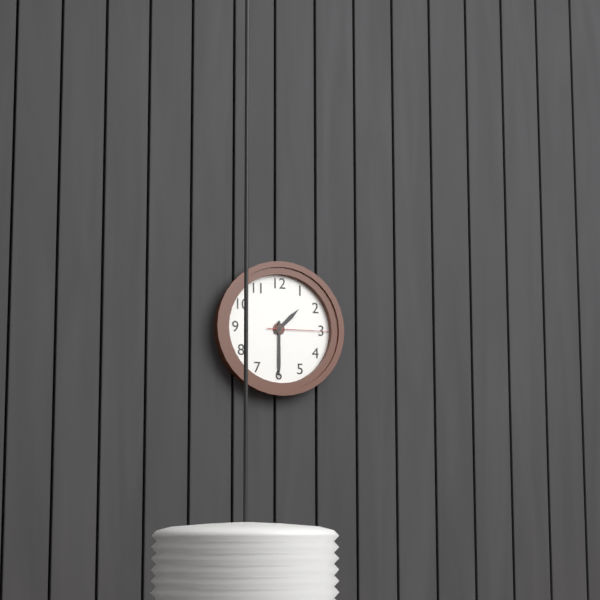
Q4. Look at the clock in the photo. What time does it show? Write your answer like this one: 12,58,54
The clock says 1,30,15
